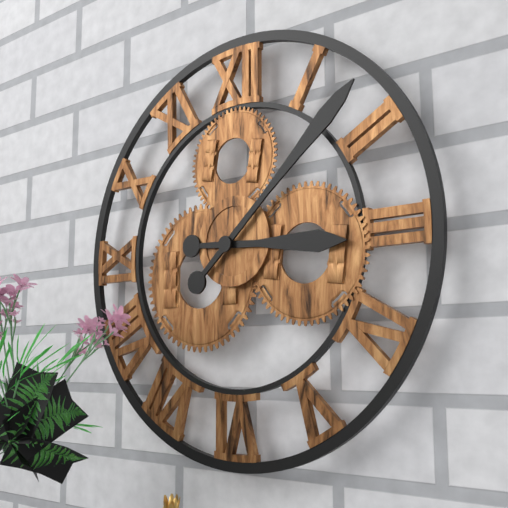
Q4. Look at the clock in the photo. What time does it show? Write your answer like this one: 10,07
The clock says 3,08
